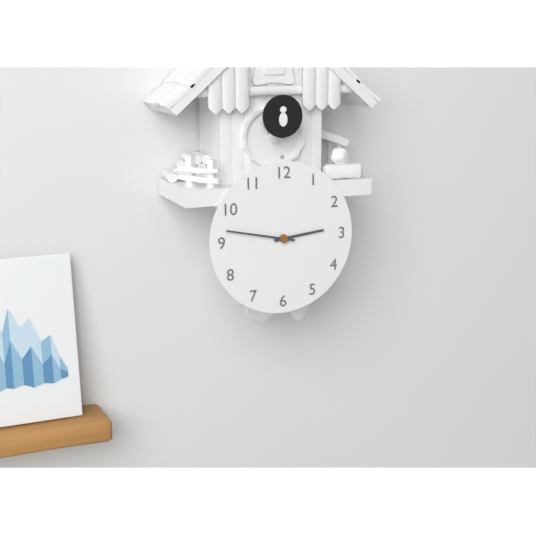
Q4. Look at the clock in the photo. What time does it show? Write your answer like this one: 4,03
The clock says 2,47
